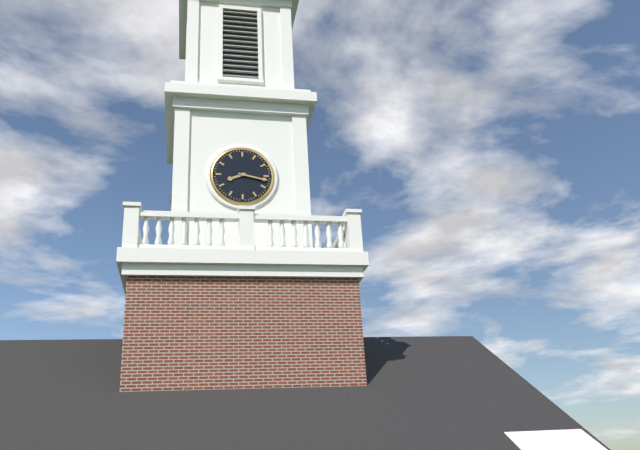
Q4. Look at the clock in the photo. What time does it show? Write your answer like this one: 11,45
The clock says 8,17
